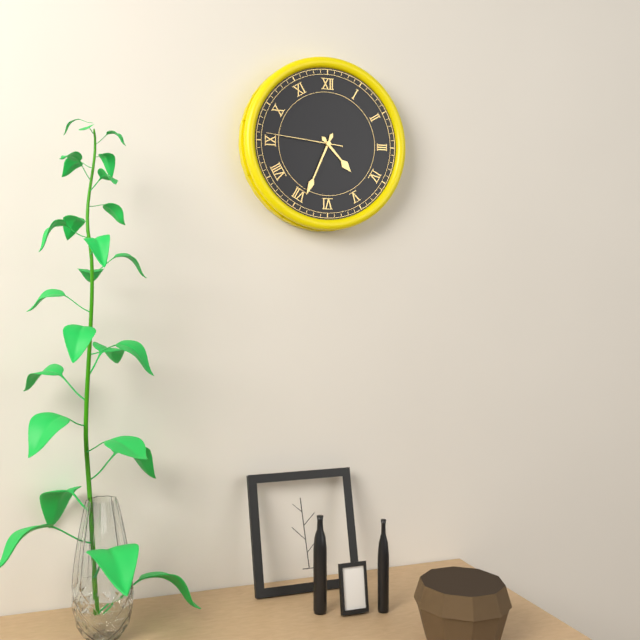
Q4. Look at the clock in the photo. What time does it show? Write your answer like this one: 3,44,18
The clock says 4,34,46
